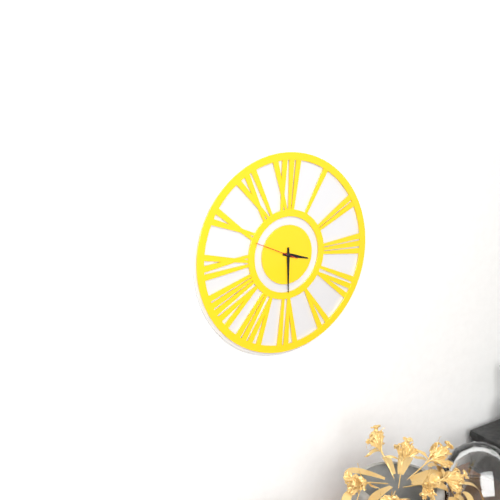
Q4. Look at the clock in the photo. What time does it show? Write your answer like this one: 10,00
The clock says 3,30
